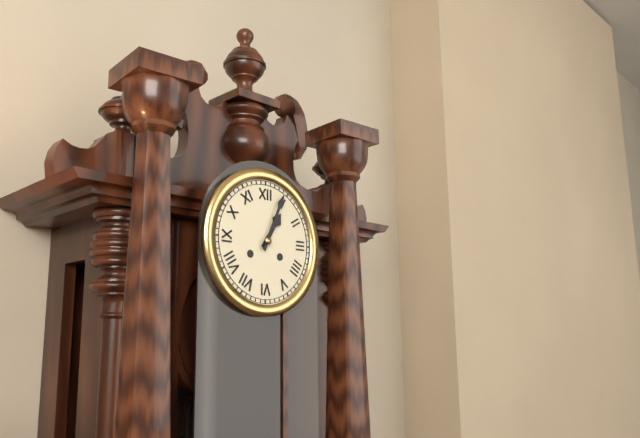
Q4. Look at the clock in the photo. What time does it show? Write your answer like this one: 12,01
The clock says 1,04
